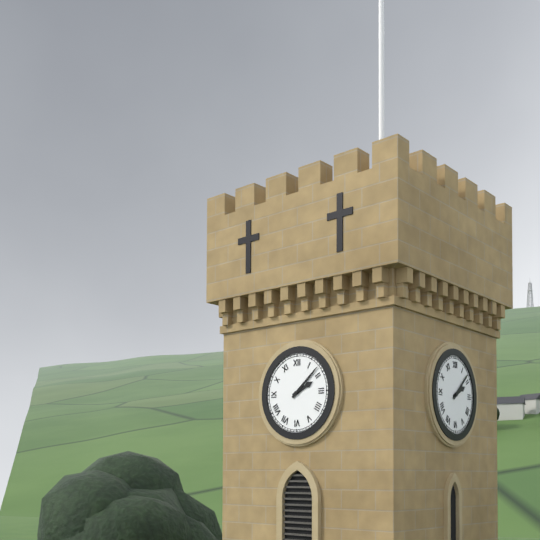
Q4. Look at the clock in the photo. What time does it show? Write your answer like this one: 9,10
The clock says 2,08
